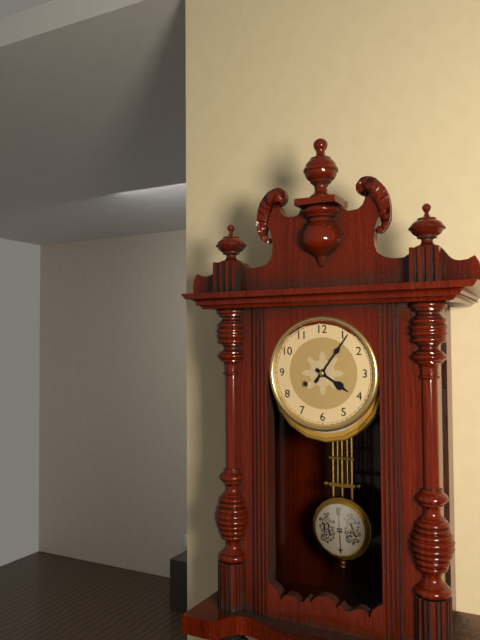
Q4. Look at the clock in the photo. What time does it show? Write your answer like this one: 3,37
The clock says 4,06
